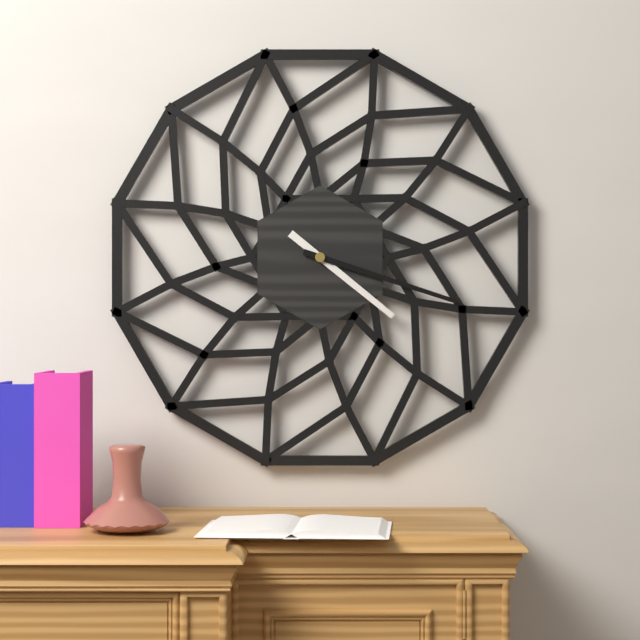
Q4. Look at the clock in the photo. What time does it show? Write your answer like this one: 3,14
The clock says 4,18
